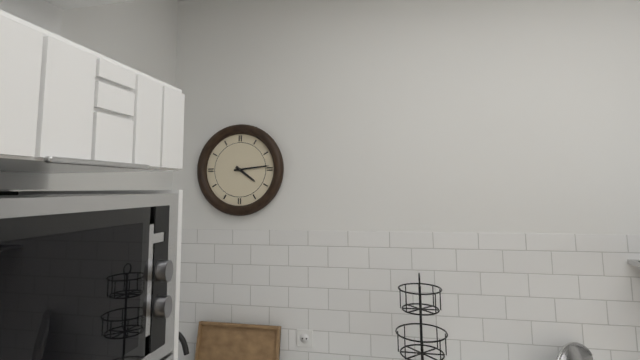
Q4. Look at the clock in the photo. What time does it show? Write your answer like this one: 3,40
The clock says 4,14
